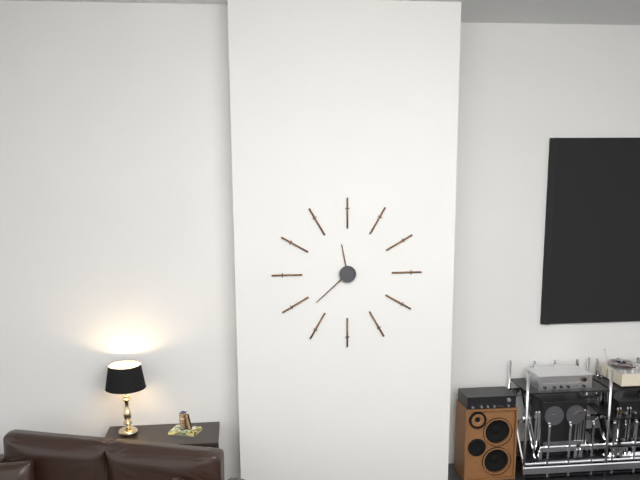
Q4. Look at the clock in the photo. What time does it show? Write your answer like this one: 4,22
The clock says 11,38
